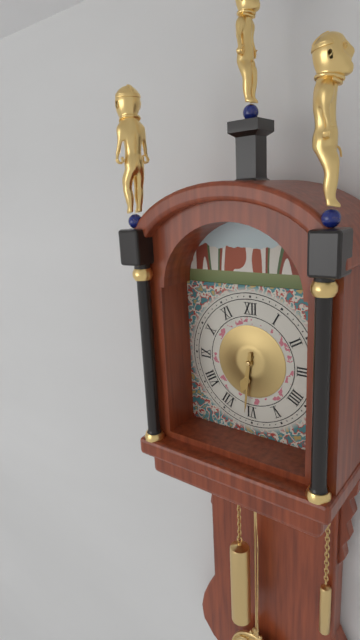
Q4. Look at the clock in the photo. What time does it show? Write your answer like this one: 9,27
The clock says 6,31
